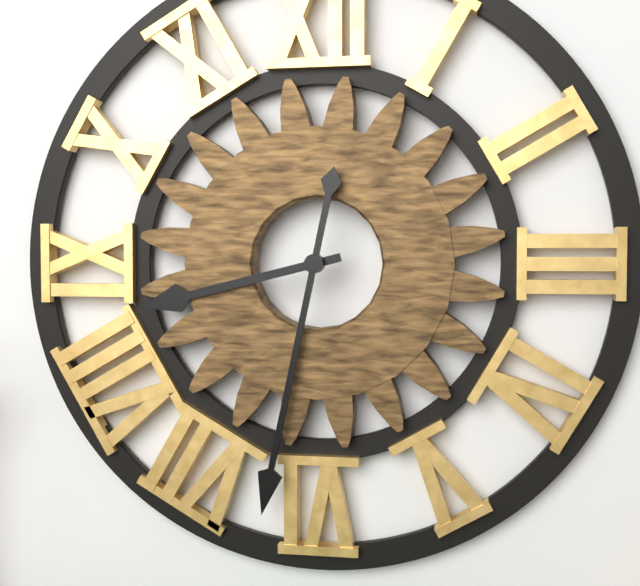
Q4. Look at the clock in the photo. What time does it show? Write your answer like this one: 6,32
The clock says 8,32
